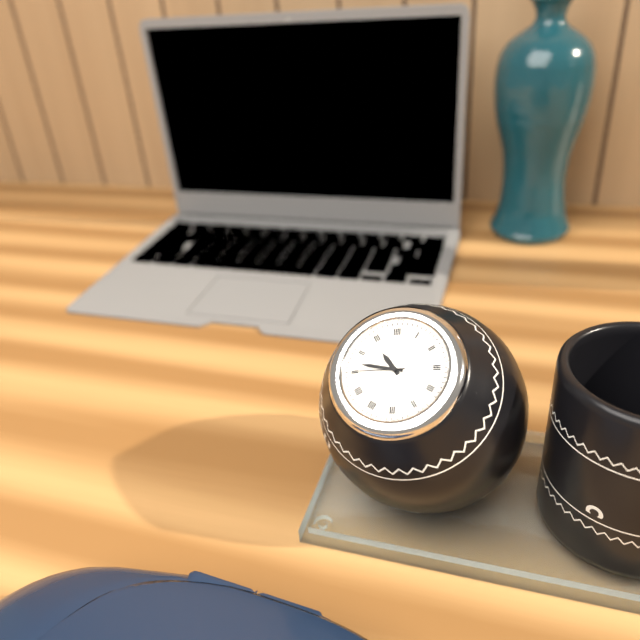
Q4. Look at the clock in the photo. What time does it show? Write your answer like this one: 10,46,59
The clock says 10,47,45
